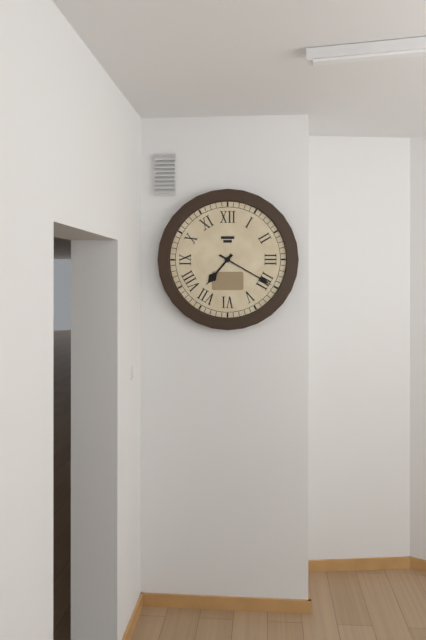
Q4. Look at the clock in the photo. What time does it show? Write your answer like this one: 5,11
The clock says 7,20
